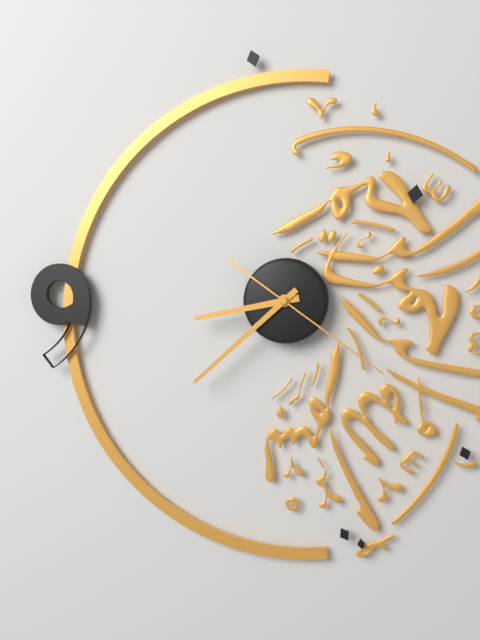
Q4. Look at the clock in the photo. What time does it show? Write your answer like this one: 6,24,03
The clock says 8,38,21
